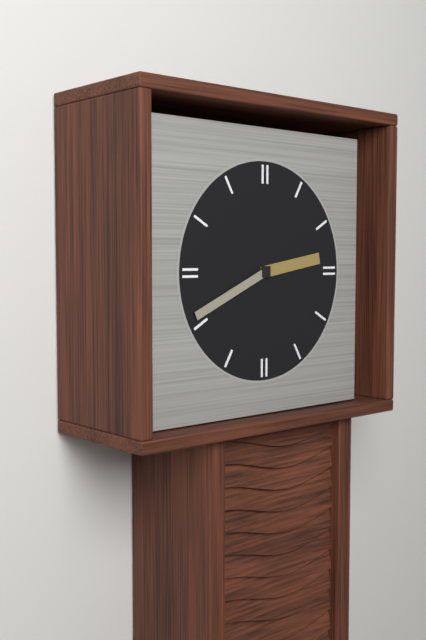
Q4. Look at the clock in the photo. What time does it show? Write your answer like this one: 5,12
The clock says 2,41
